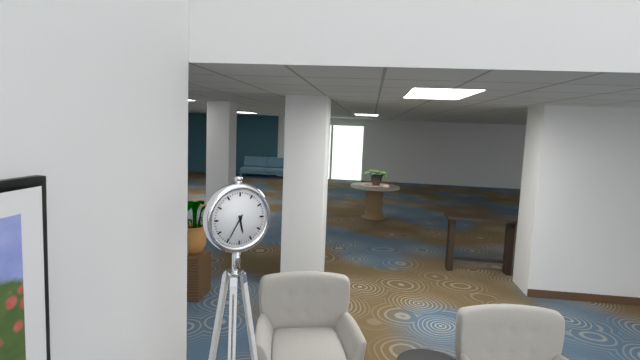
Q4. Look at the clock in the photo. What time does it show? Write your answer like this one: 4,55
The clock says 5,35
